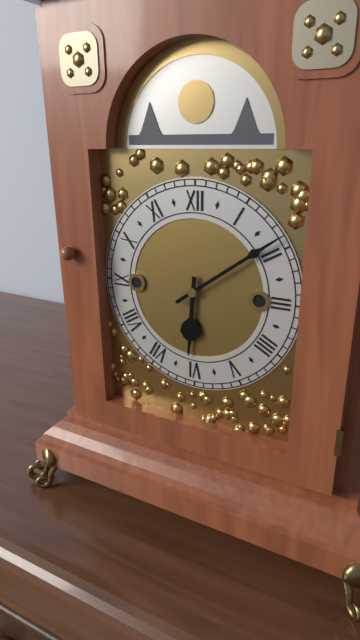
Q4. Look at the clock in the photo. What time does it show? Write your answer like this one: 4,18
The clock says 6,09
